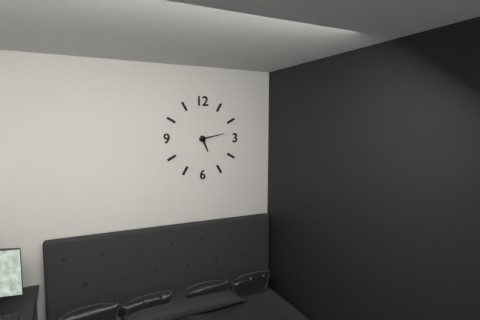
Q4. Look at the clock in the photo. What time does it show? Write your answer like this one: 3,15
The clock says 5,13
